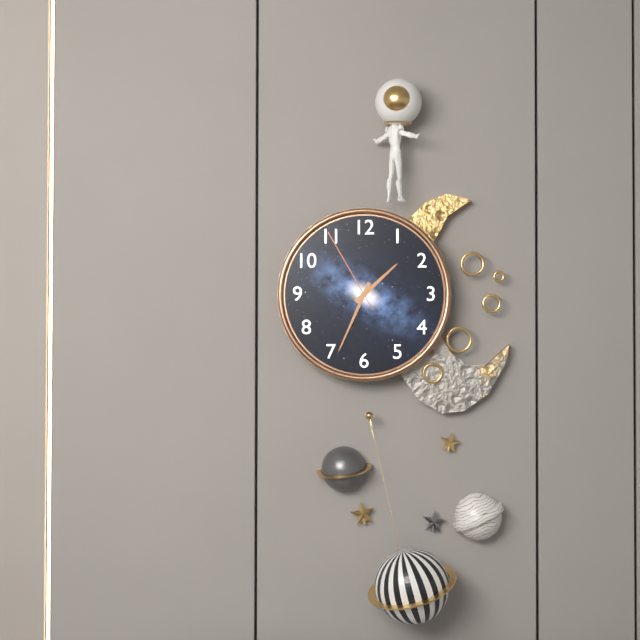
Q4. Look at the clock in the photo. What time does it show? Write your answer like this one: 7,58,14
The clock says 1,34,55
